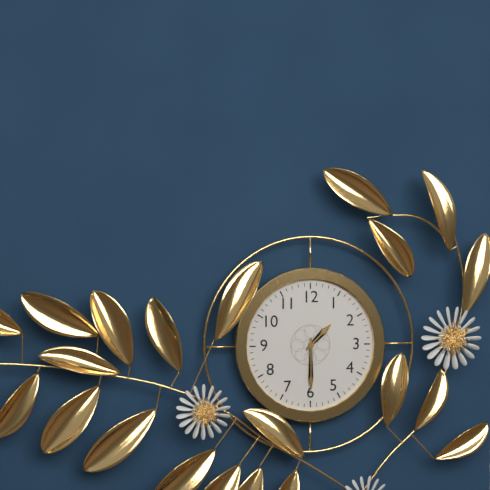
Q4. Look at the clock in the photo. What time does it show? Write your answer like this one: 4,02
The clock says 1,30
